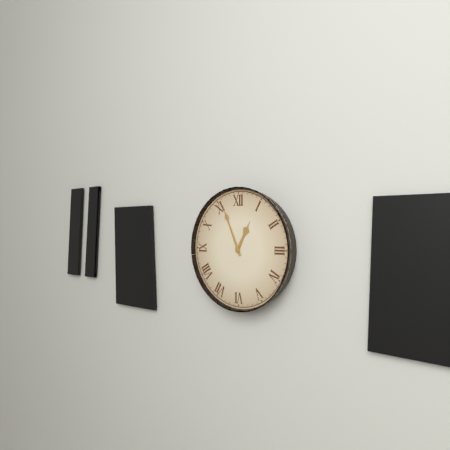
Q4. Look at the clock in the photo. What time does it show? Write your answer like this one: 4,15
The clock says 12,56
